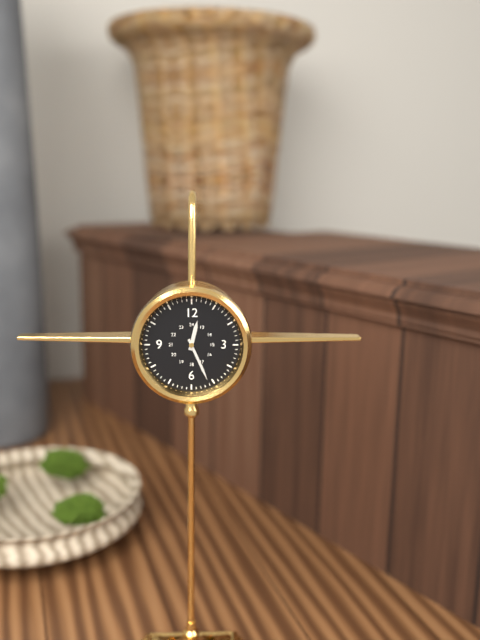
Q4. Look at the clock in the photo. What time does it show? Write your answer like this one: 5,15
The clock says 12,26
